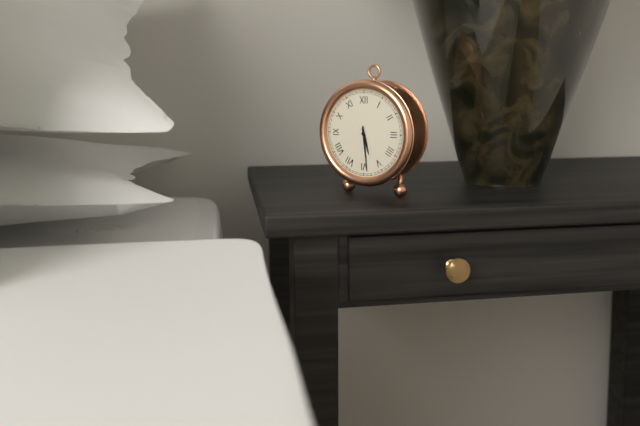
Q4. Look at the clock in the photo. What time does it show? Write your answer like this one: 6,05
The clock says 5,29
